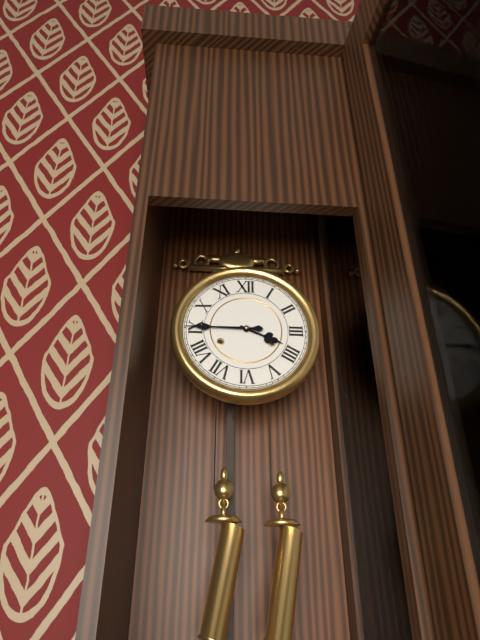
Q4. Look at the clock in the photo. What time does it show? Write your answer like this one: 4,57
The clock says 3,45
